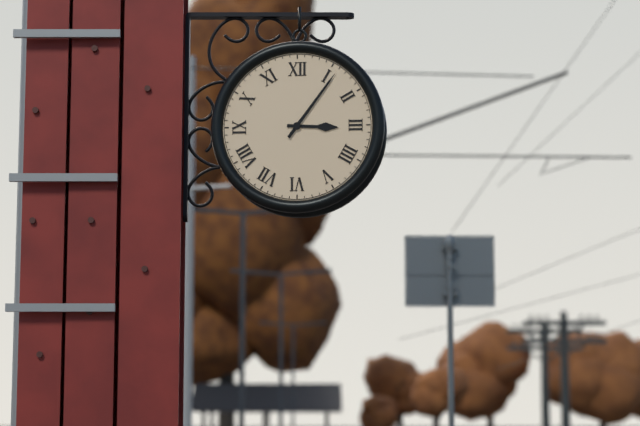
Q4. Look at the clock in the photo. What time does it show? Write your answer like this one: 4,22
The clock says 3,06
